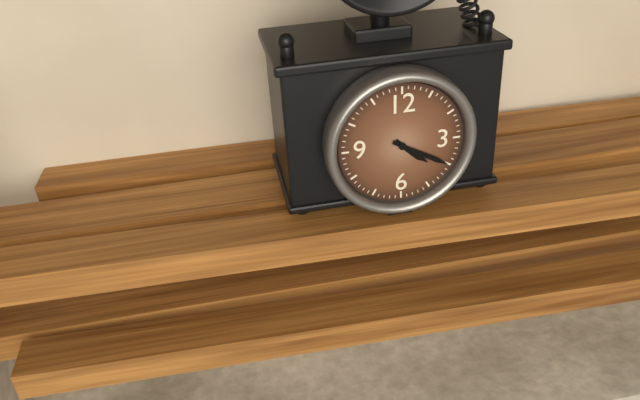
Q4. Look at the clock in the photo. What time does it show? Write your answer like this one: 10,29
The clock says 4,20
